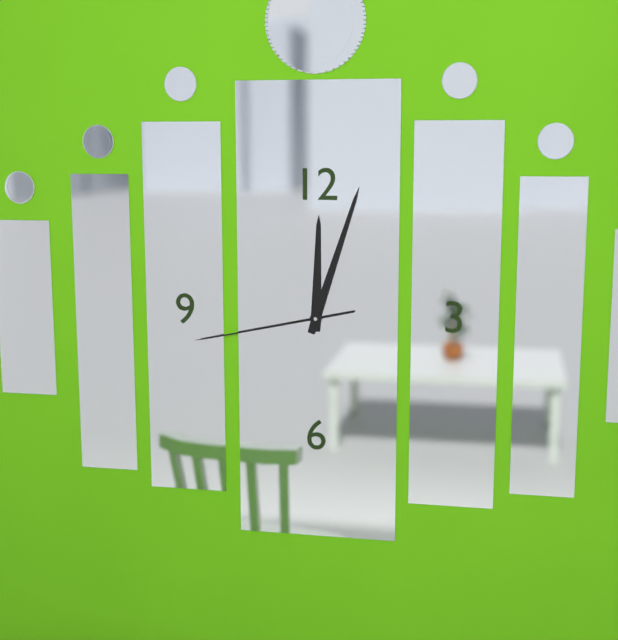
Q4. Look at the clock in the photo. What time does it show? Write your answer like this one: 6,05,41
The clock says 12,03,43
